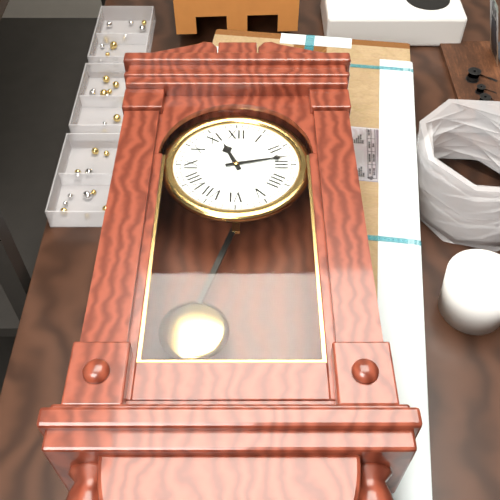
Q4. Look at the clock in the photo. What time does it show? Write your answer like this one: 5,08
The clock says 11,13
